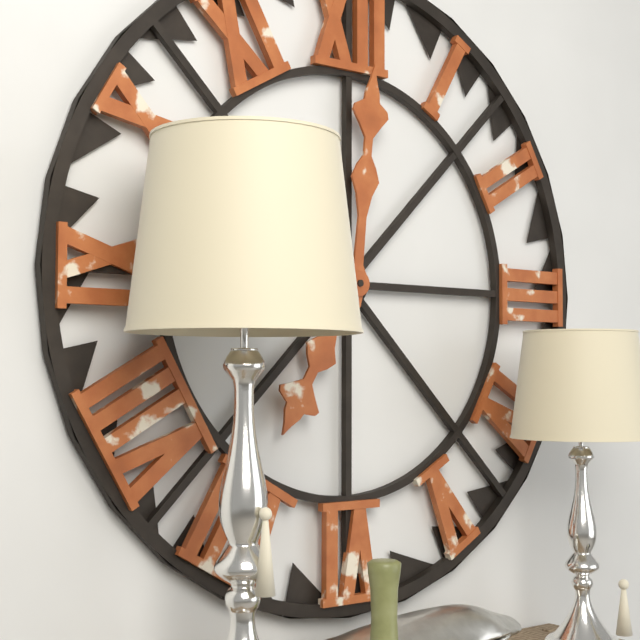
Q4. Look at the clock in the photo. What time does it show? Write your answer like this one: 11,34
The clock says 7,01
